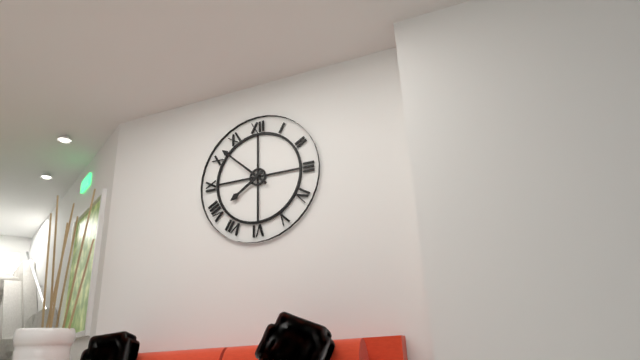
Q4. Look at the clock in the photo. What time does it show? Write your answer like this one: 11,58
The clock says 7,52
